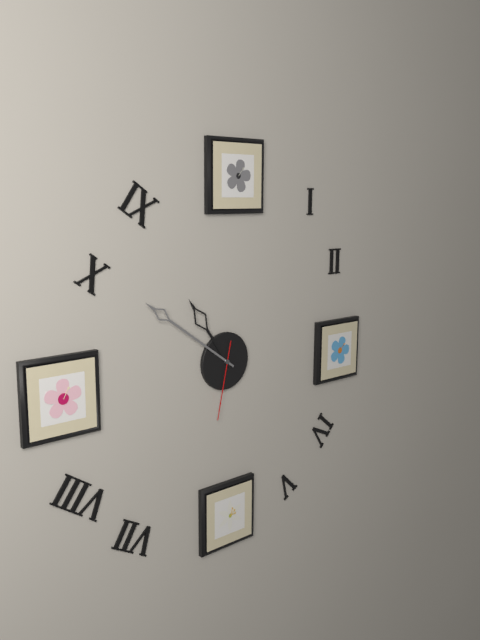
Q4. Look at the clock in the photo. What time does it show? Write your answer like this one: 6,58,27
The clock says 10,51,32
